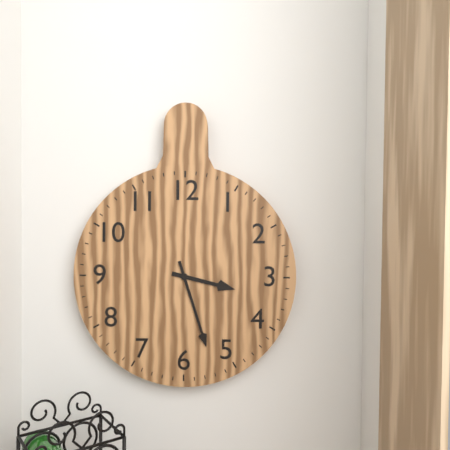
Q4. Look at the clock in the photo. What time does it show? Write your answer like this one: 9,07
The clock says 3,27
